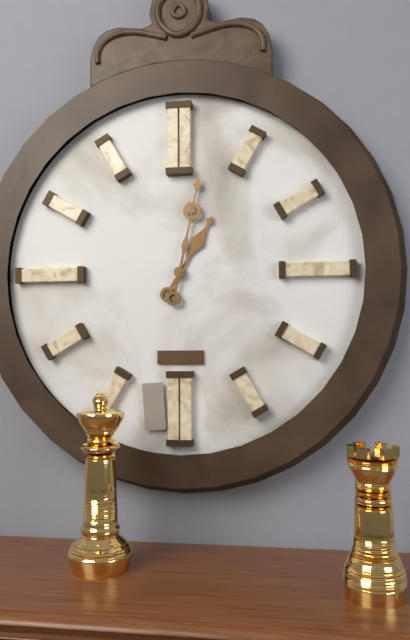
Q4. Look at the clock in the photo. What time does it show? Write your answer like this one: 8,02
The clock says 1,02
